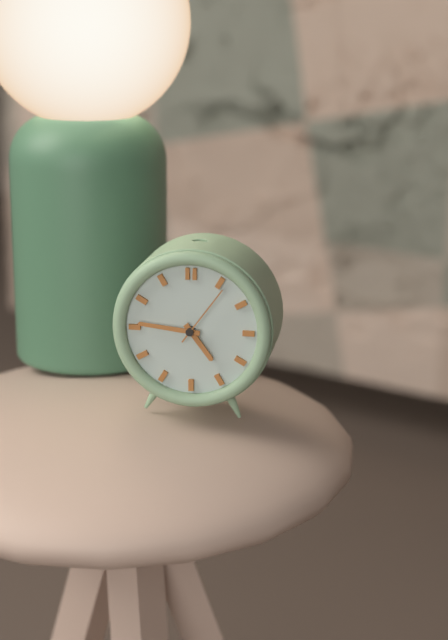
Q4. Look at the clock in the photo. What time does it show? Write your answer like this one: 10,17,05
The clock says 4,46,06
